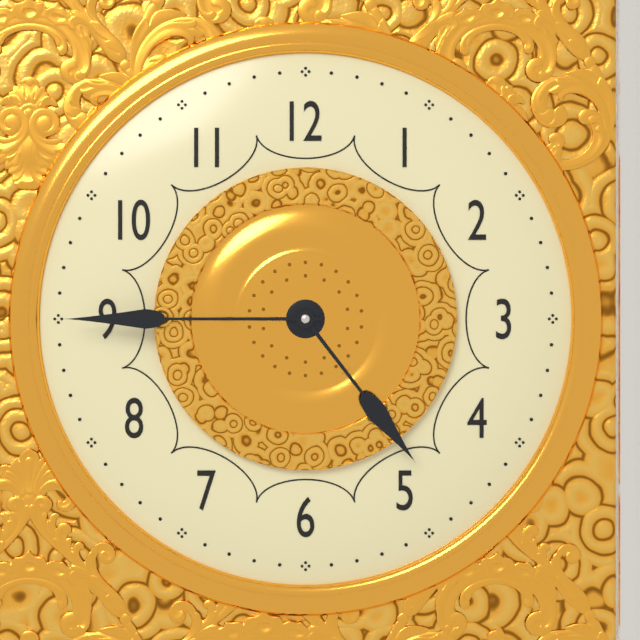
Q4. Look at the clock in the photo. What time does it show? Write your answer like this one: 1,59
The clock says 4,45
